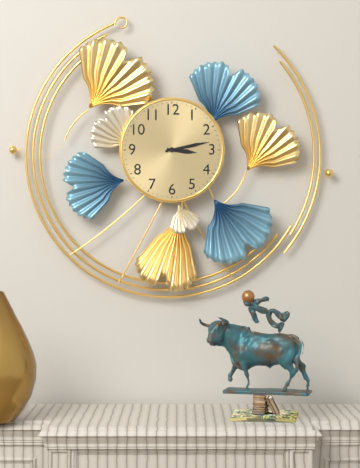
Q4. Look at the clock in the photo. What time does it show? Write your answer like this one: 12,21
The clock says 3,13
